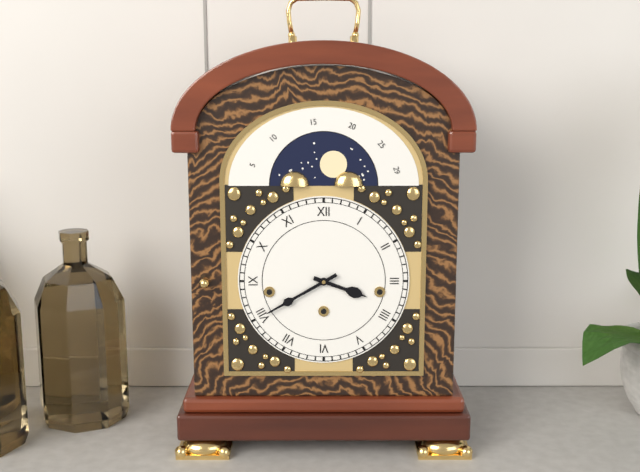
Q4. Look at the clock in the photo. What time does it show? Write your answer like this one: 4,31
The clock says 3,40
